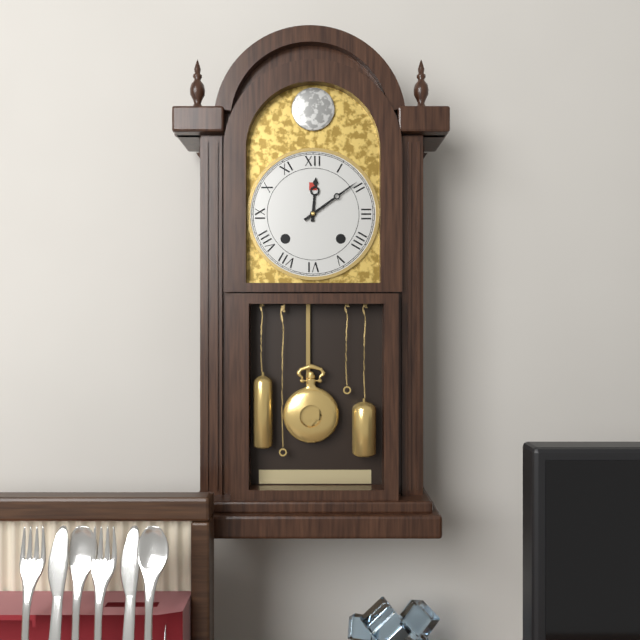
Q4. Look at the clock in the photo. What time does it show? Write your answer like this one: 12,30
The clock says 12,09
